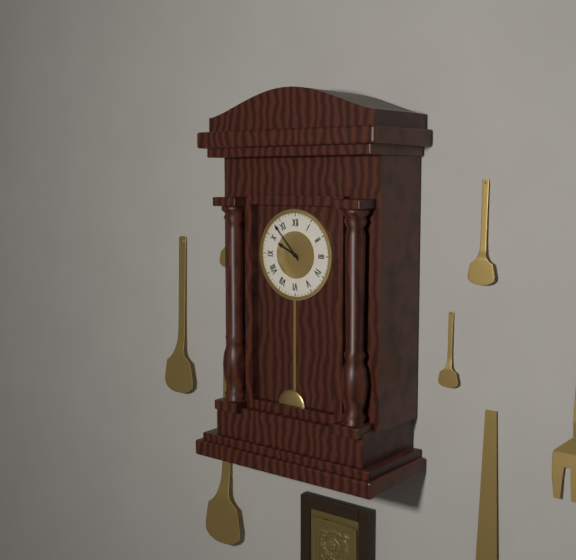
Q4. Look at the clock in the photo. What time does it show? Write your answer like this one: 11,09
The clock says 9,53
